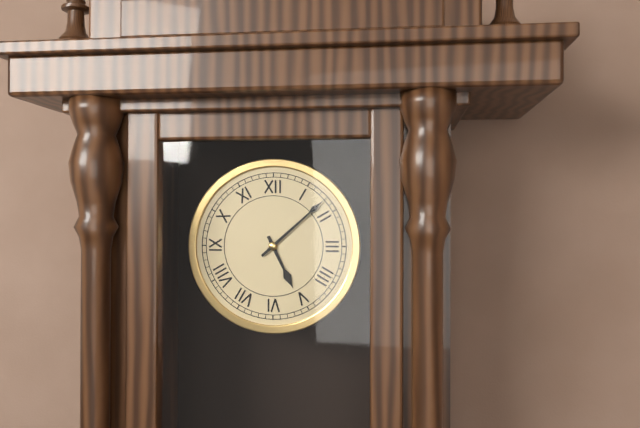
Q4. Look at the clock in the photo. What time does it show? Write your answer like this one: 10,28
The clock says 5,08
